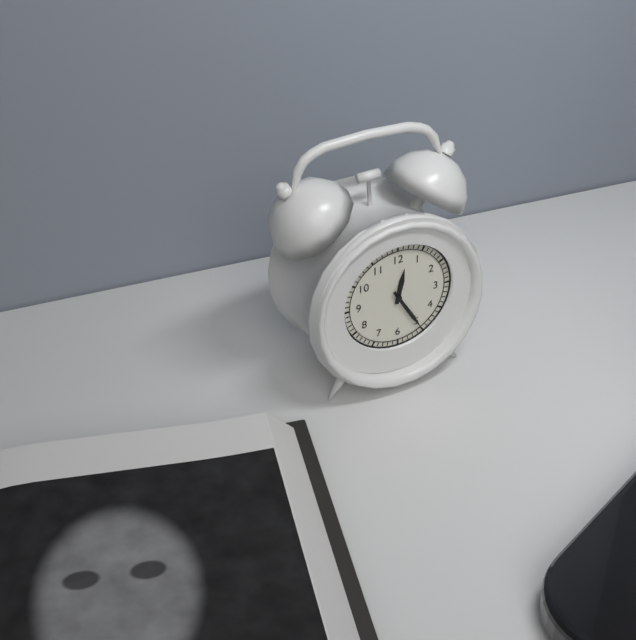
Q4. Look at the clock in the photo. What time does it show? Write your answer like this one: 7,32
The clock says 12,25
